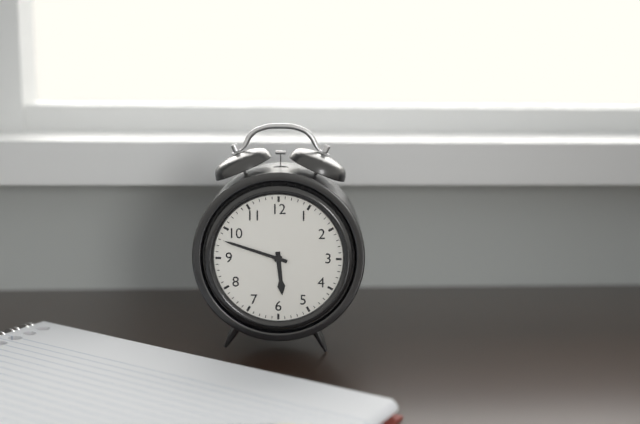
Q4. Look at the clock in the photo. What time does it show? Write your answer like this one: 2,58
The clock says 5,48
